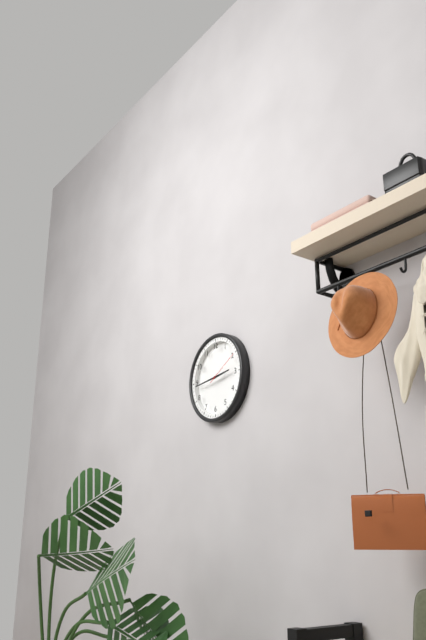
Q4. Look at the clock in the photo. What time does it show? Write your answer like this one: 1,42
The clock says 2,44
